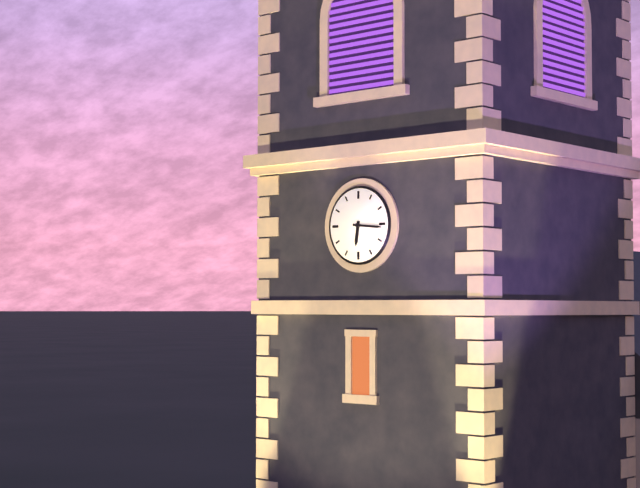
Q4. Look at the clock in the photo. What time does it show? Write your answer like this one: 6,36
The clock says 6,16
